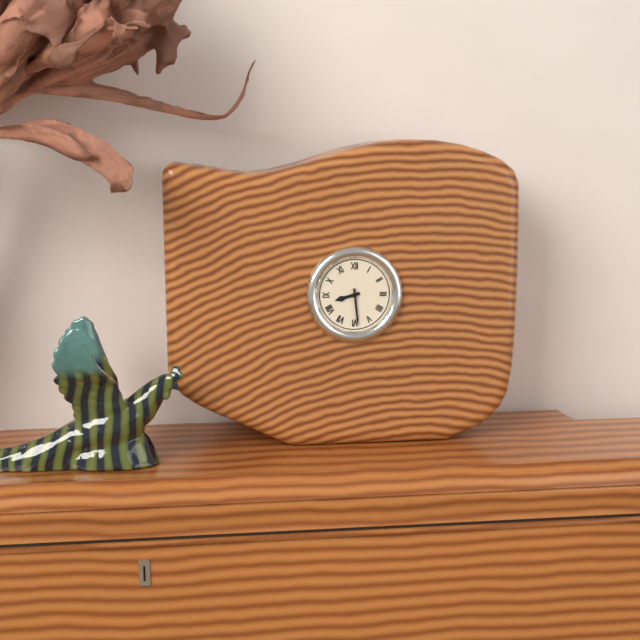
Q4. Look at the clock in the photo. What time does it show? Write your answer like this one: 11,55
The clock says 8,29
